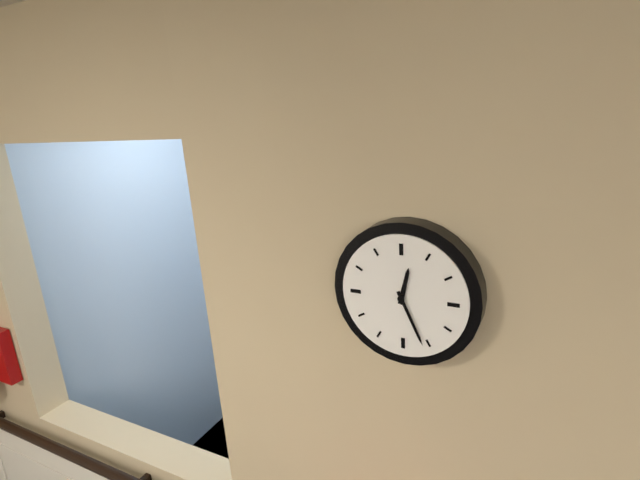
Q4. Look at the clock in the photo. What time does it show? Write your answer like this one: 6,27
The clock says 12,26
